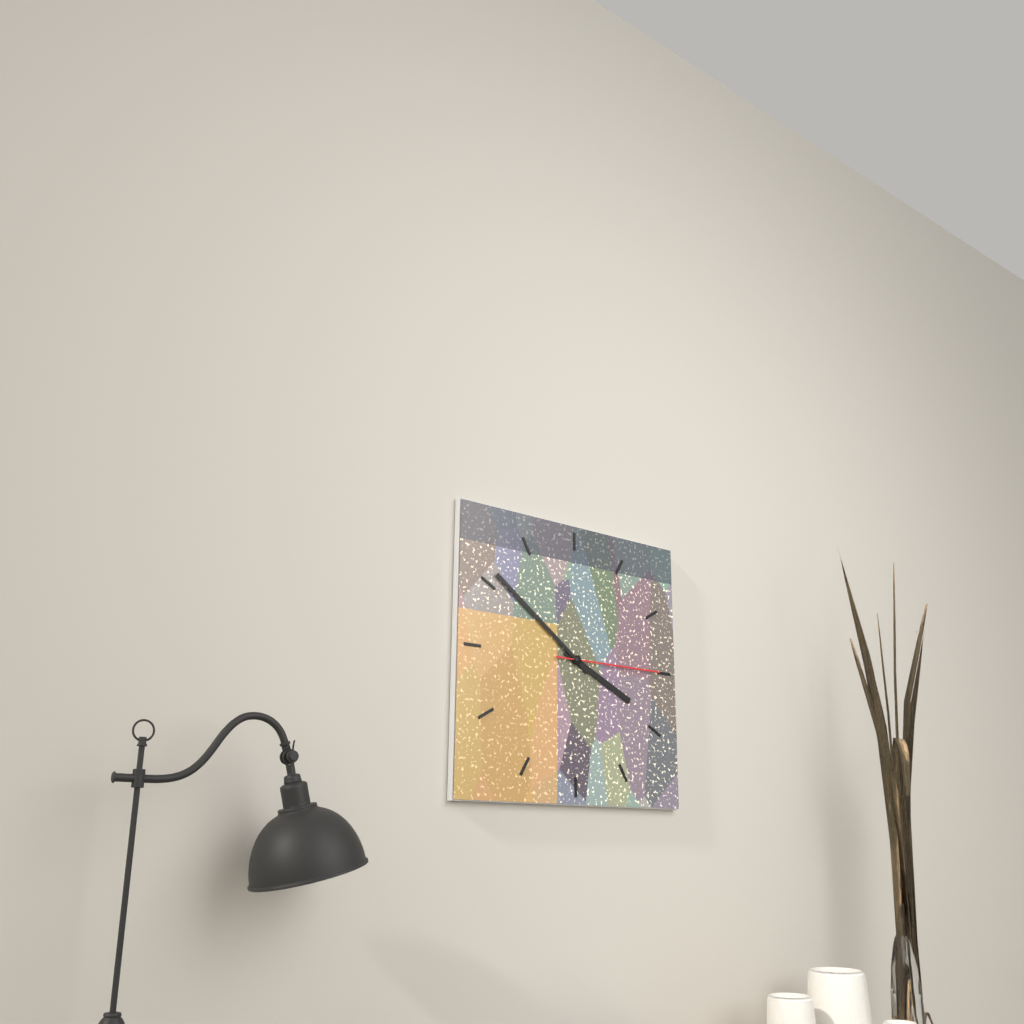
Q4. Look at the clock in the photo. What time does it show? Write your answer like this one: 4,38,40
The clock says 3,51,15
